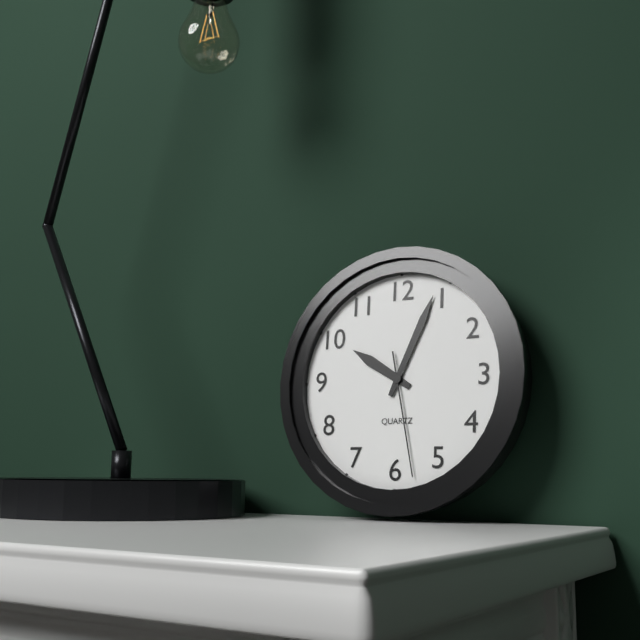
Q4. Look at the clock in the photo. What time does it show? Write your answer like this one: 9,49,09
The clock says 10,04,28
